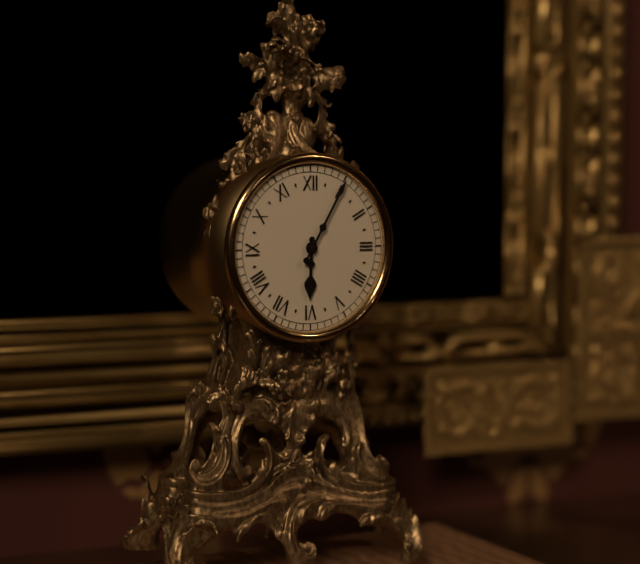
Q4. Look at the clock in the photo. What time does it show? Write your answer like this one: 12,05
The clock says 6,05
